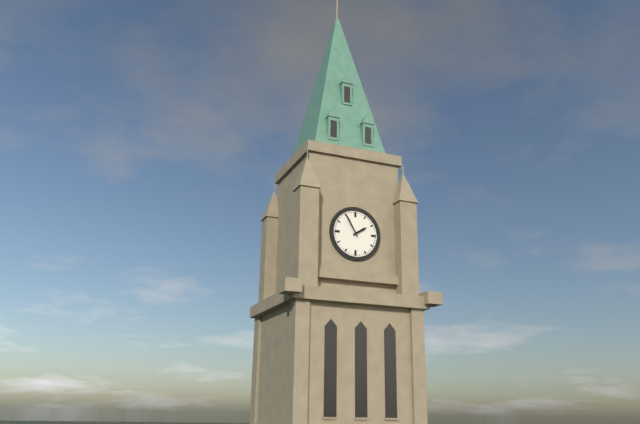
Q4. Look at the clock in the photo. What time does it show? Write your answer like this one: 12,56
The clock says 1,55
